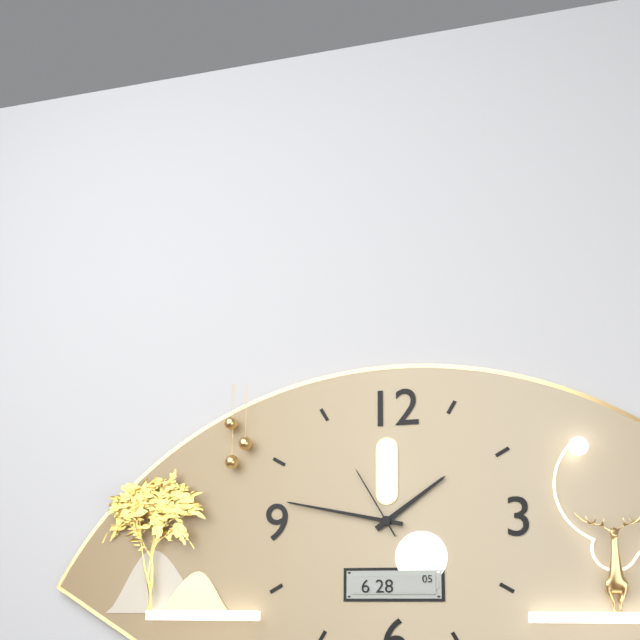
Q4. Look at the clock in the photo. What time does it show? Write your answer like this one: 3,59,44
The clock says 1,47,55
